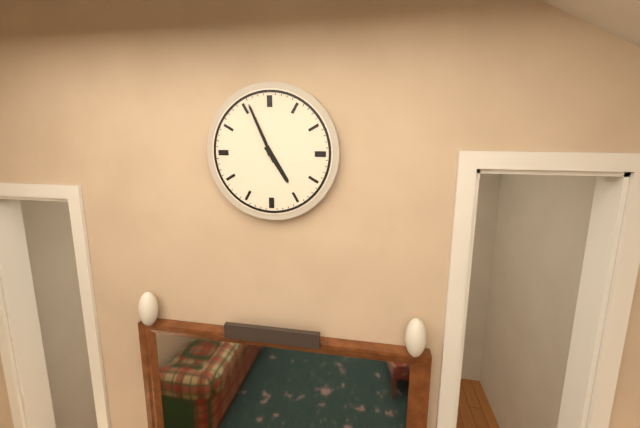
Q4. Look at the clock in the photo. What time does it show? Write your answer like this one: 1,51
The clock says 4,56
